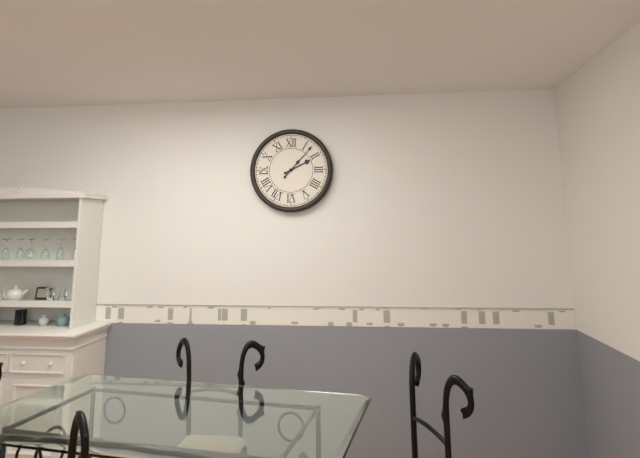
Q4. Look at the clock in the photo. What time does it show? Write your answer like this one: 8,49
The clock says 2,07
